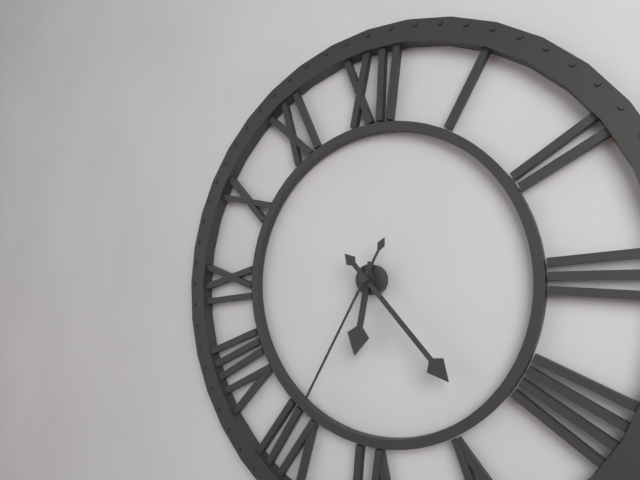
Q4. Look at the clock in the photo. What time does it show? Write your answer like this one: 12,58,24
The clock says 6,23,35
